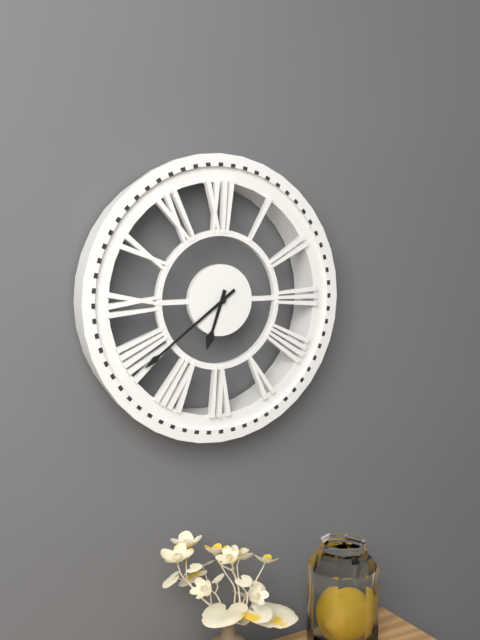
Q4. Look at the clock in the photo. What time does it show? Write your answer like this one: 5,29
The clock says 6,39
